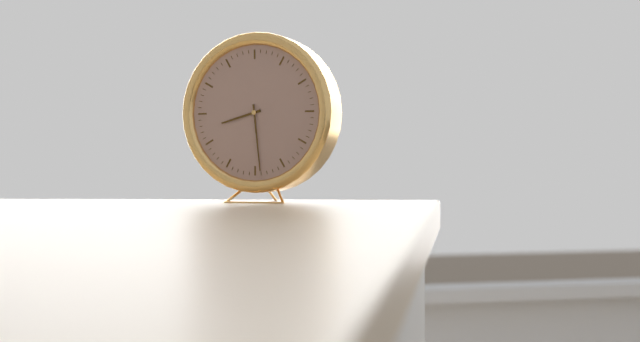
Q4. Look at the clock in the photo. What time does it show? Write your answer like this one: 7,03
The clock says 8,29
